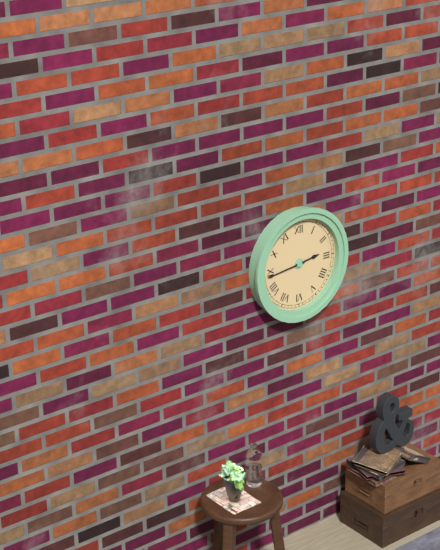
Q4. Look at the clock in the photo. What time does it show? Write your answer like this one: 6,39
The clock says 2,44
